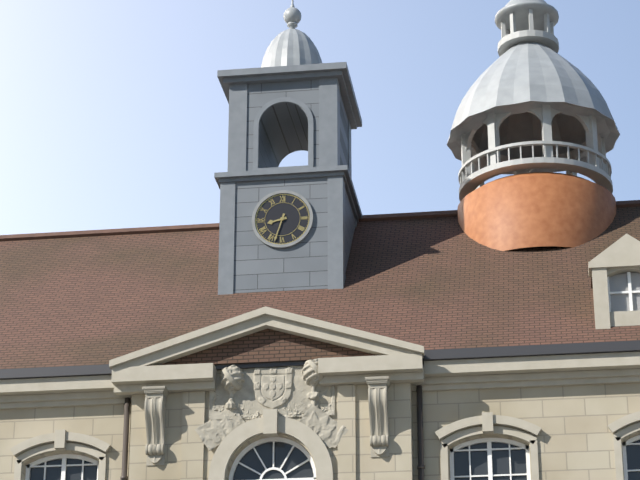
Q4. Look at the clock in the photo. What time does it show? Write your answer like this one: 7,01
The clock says 8,33
